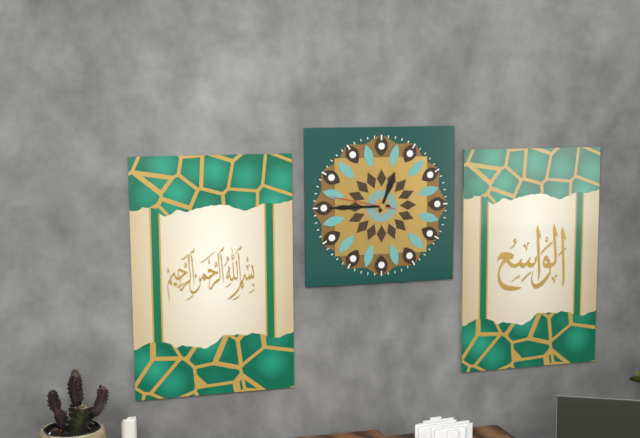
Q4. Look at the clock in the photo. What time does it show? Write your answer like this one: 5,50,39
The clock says 12,45,47
